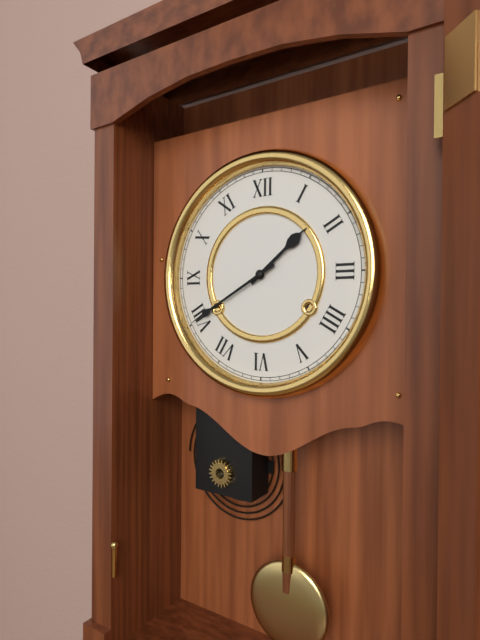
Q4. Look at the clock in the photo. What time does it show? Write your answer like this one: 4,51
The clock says 1,40
